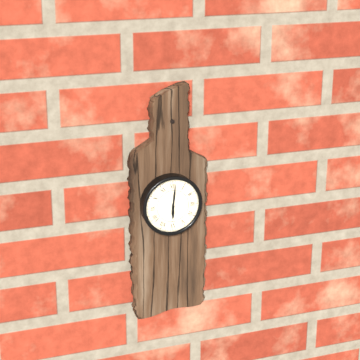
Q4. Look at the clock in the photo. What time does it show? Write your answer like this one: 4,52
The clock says 6,01
